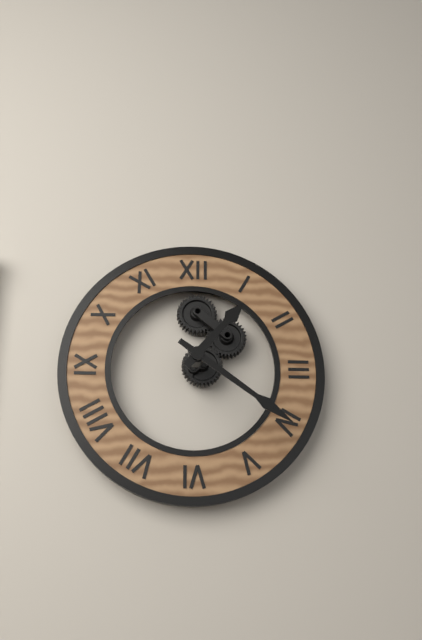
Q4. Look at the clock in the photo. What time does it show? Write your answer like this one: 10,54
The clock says 1,21
